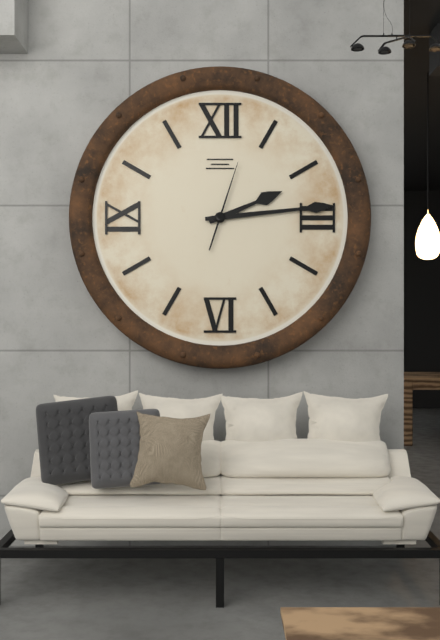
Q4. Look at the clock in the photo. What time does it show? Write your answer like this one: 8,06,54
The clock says 2,14,03
